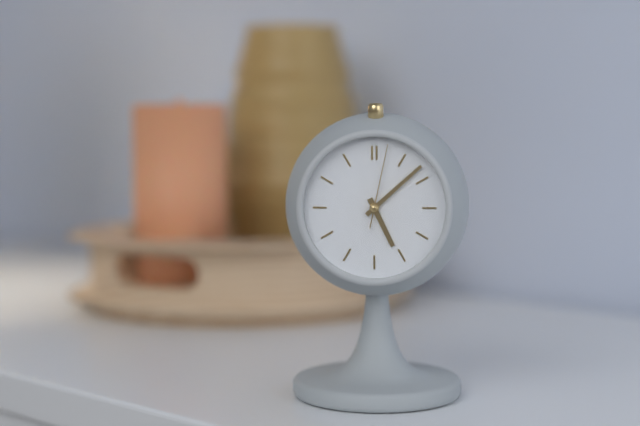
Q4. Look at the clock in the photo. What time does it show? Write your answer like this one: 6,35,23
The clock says 5,08,02
